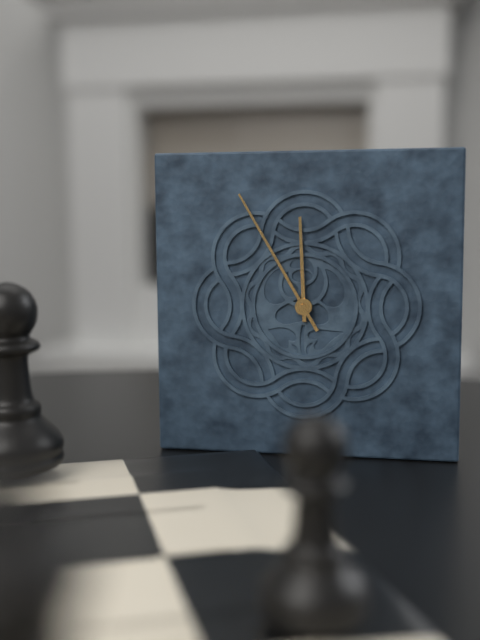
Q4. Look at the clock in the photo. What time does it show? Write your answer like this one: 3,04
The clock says 11,55
